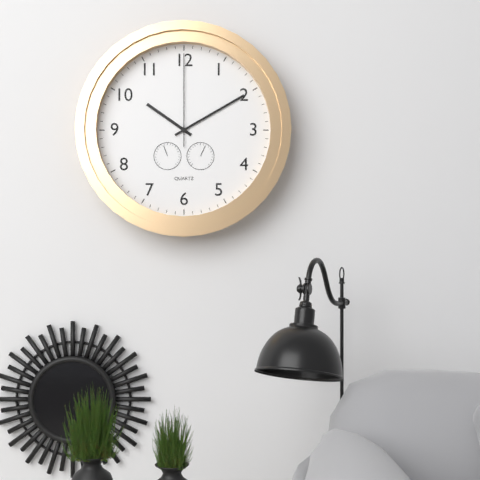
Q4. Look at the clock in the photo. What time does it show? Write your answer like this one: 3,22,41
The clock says 10,10,00
